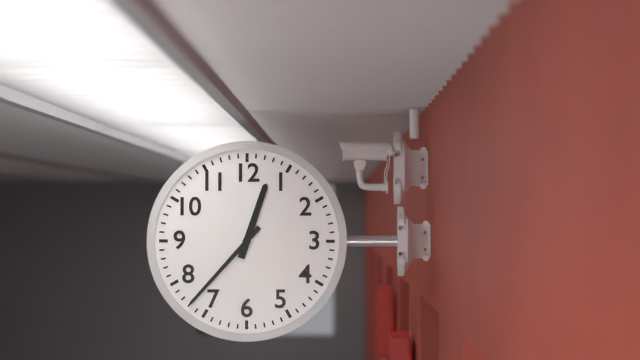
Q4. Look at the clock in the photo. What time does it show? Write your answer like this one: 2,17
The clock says 12,37
